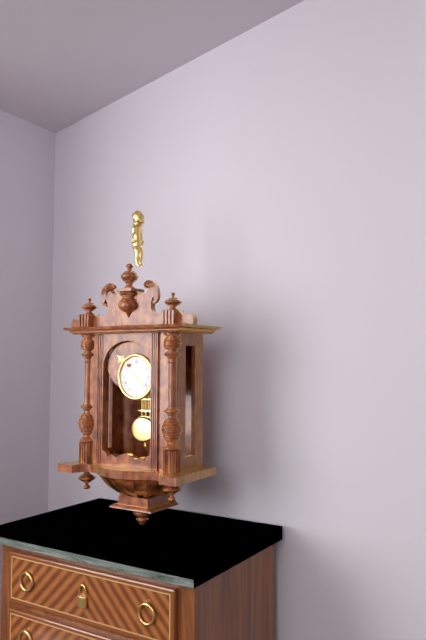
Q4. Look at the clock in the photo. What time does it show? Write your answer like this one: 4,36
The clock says 10,22
